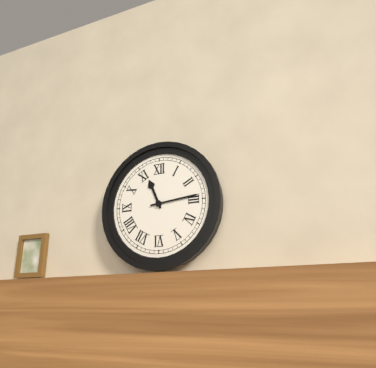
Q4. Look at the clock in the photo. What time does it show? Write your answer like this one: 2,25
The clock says 11,14
